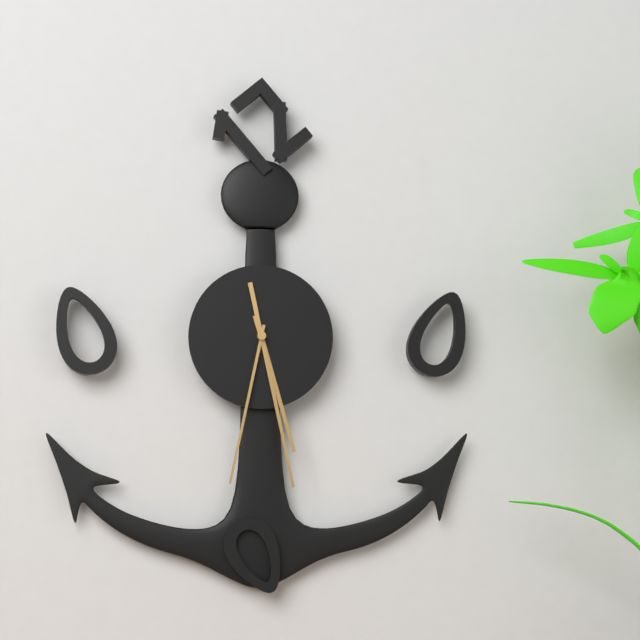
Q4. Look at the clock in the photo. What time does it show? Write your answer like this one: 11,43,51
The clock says 5,28,32
